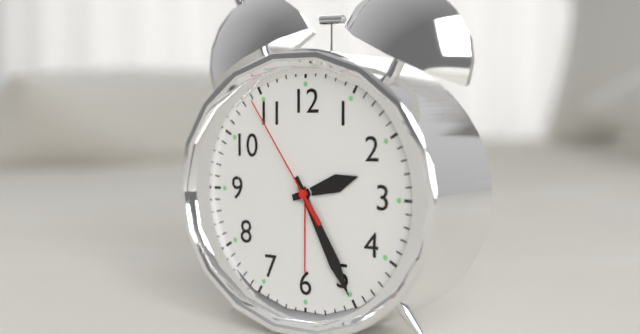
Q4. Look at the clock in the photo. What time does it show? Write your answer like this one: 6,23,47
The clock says 2,25,54
